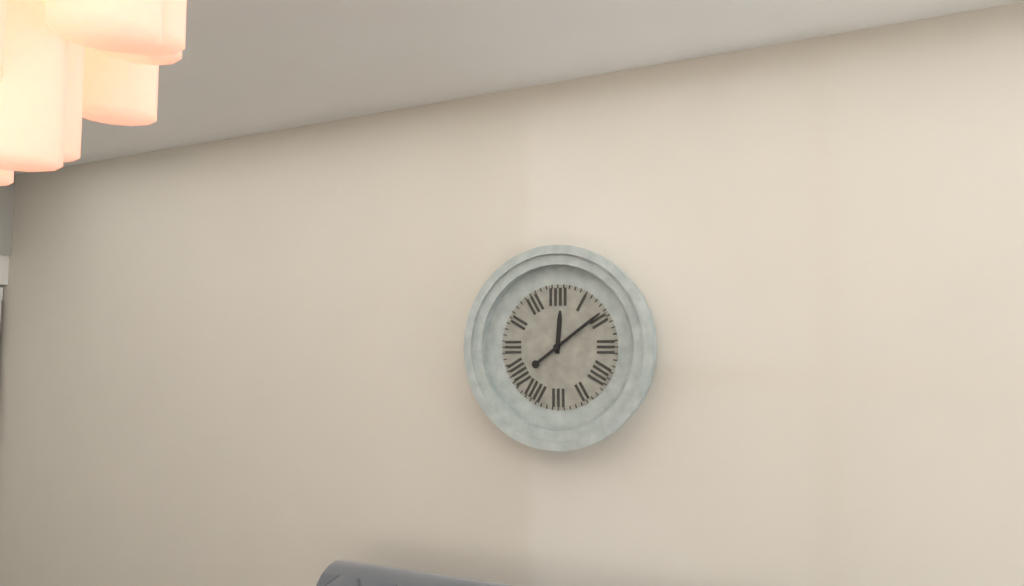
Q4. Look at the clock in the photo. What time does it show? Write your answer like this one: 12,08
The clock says 12,09
